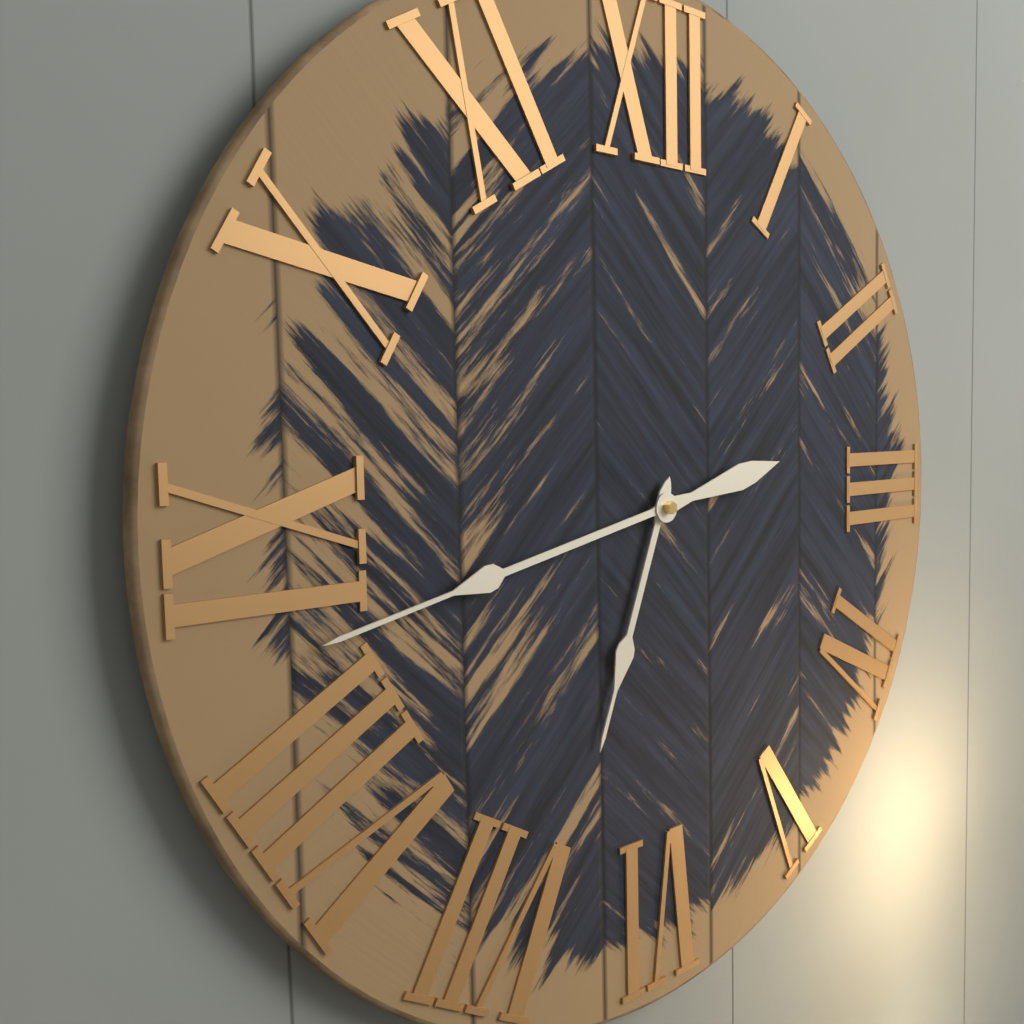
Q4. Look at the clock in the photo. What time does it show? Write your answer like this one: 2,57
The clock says 6,43
